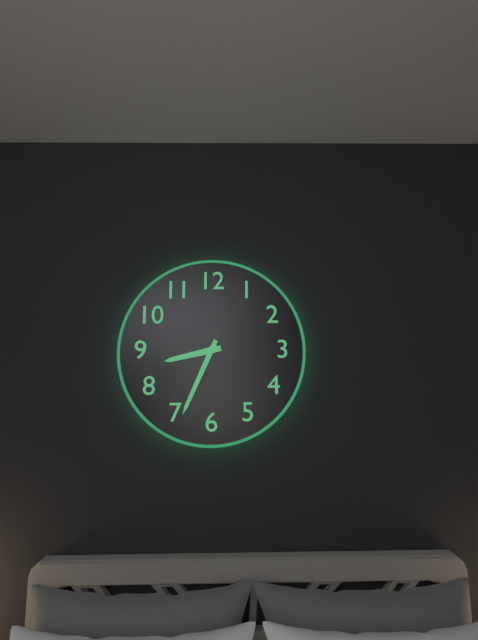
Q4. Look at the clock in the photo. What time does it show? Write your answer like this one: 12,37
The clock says 8,34
